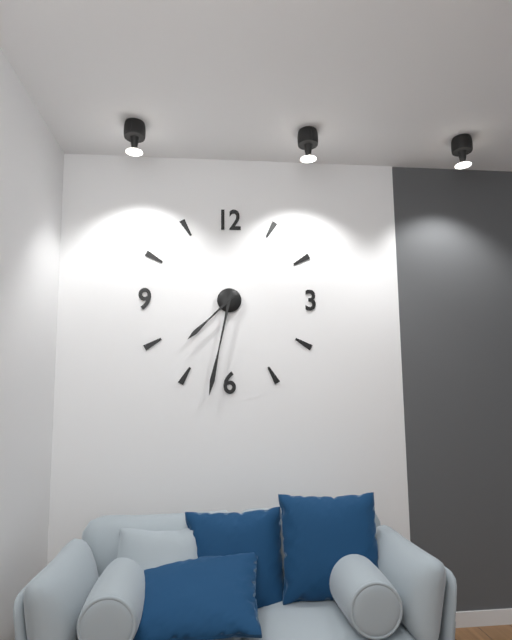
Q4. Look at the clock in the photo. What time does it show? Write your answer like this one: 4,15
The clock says 7,32
